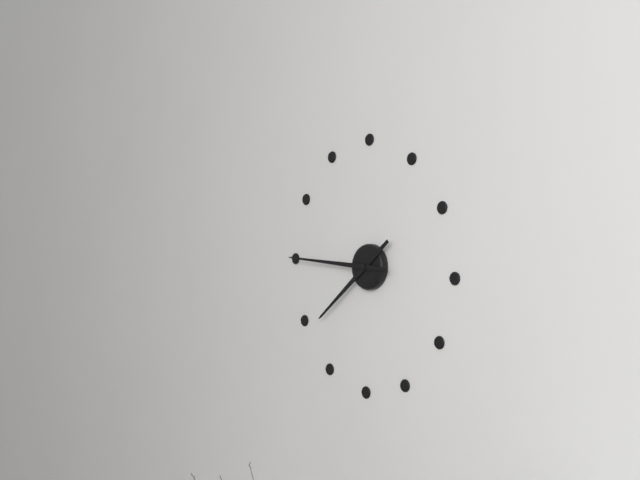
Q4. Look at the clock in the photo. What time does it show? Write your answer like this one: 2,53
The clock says 7,46
